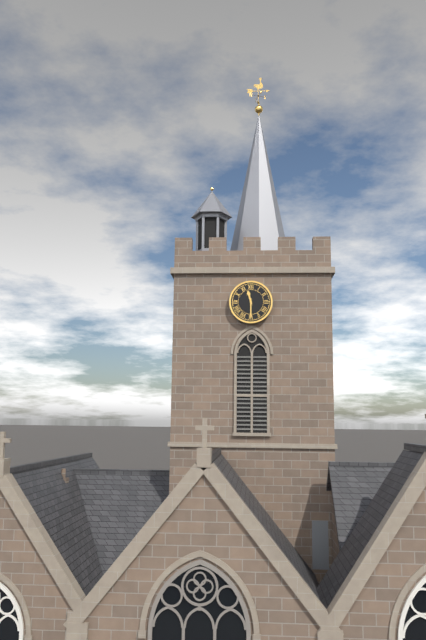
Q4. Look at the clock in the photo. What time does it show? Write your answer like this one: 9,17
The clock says 11,30
